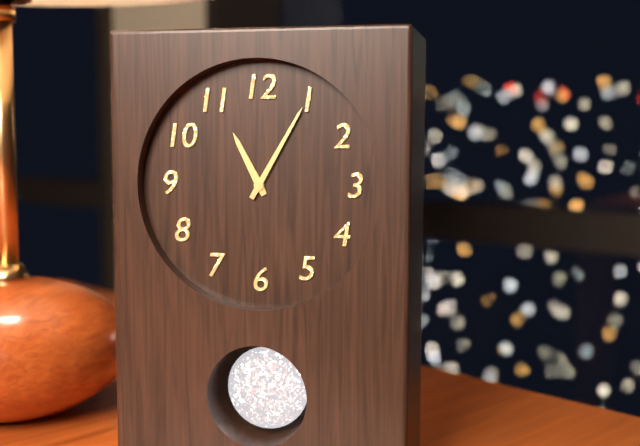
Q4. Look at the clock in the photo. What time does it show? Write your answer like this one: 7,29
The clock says 11,05
